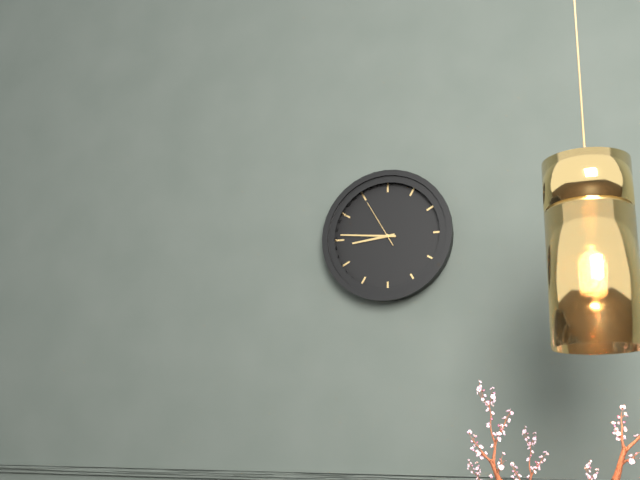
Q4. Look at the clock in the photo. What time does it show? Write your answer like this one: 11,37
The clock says 8,46
